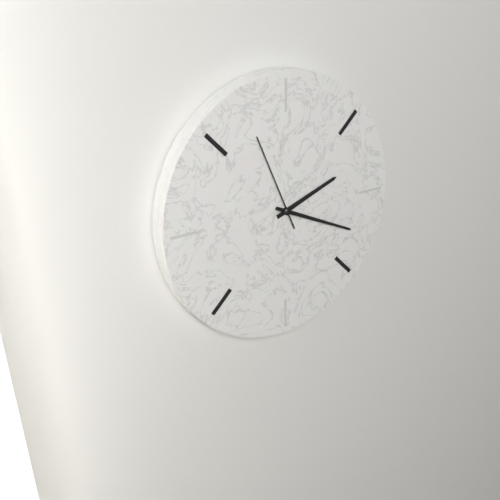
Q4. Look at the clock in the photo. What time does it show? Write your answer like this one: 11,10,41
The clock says 2,19,56
